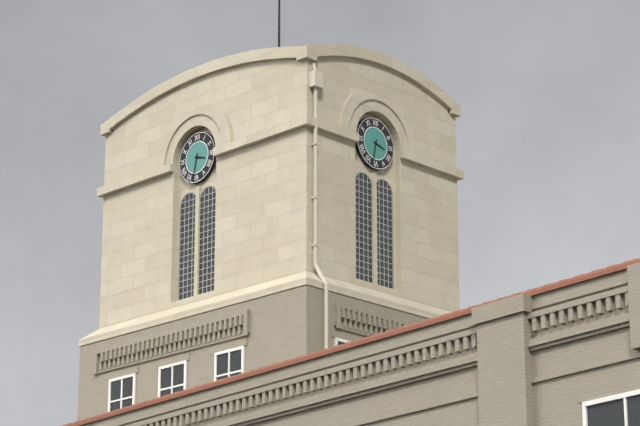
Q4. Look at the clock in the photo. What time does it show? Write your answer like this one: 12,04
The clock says 3,32
